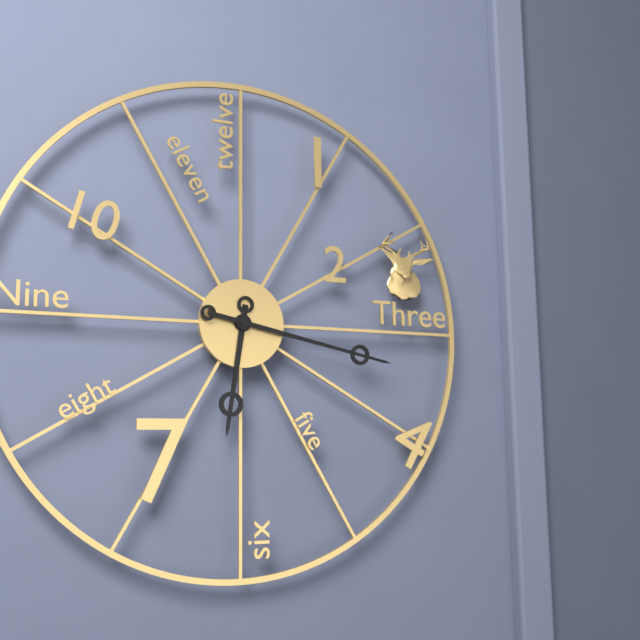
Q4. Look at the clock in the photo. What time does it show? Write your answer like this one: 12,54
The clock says 6,17
